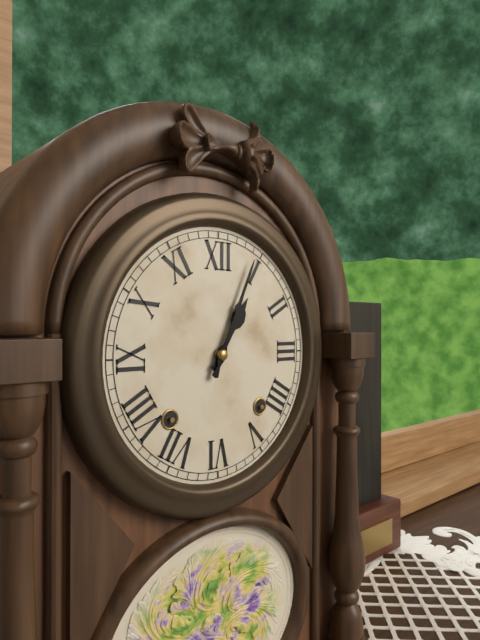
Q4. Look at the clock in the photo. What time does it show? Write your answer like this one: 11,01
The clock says 1,04
